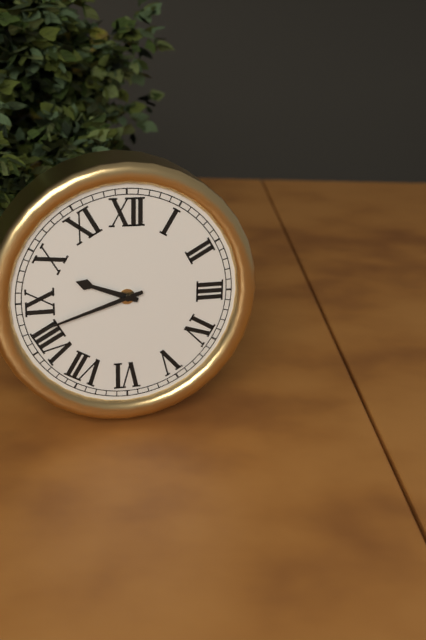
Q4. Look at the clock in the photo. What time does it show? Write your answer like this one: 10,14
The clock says 9,42
